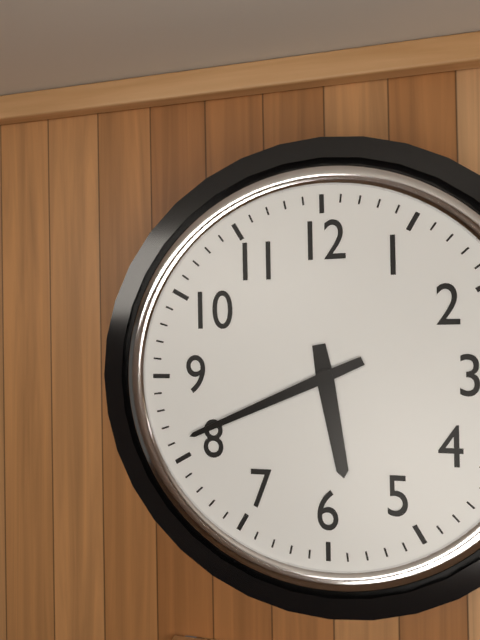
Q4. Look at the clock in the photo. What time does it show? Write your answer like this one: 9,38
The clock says 5,41
